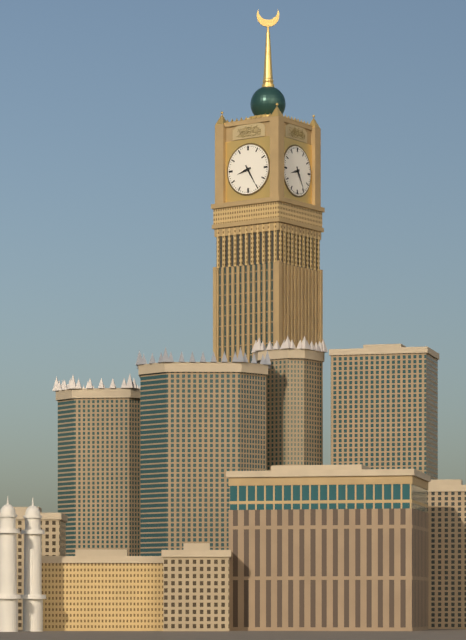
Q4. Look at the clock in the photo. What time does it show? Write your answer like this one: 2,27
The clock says 8,25
